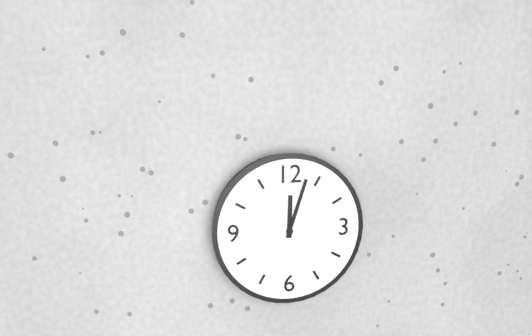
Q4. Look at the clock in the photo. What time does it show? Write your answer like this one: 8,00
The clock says 12,03
